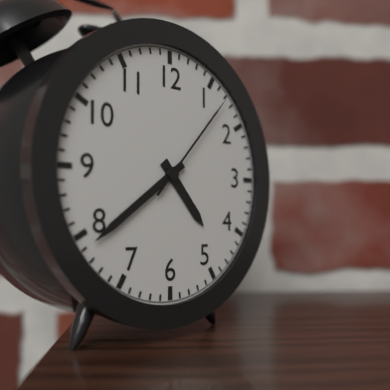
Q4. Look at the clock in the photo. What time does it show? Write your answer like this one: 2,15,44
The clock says 4,39,07
